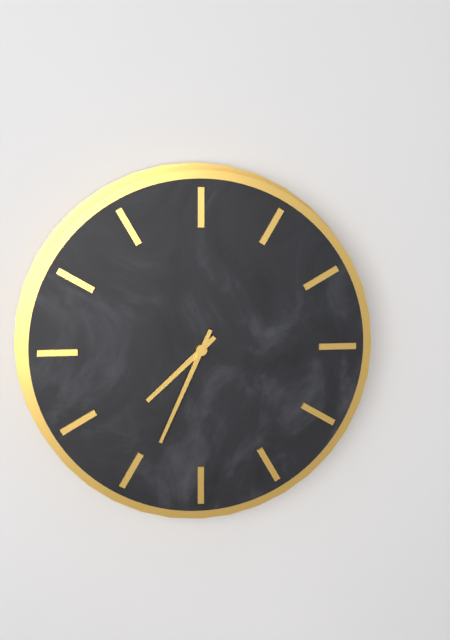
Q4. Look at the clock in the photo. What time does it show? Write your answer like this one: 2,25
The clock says 7,34
